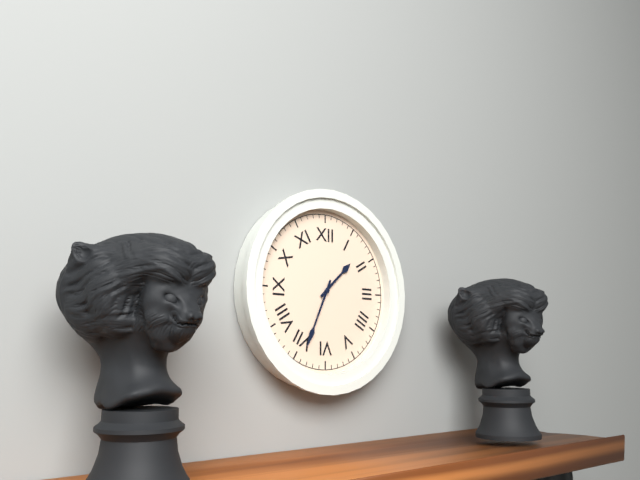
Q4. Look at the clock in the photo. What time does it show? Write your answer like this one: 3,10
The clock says 1,34
